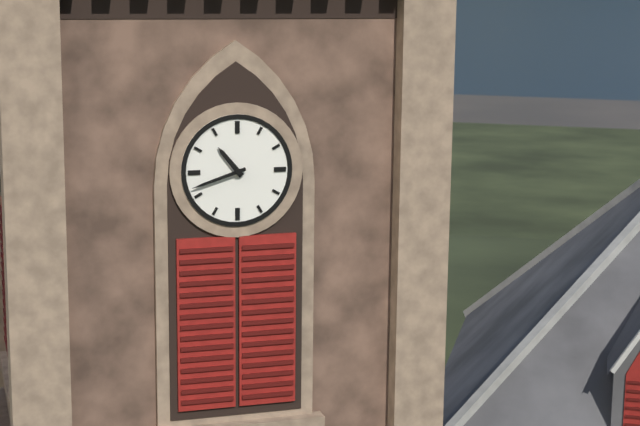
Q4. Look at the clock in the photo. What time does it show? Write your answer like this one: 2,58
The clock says 10,42
